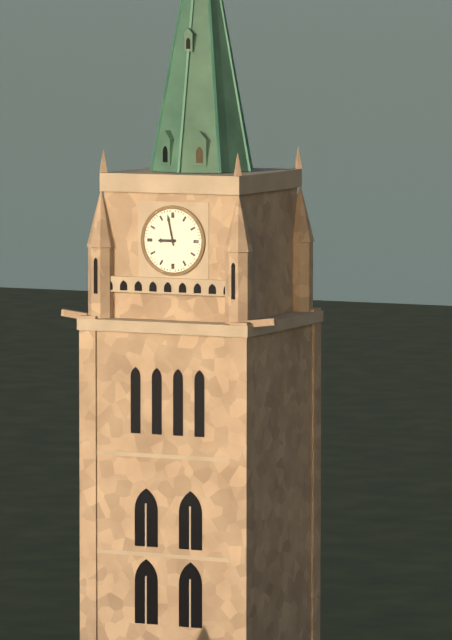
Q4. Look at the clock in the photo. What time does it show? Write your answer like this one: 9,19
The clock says 8,58
